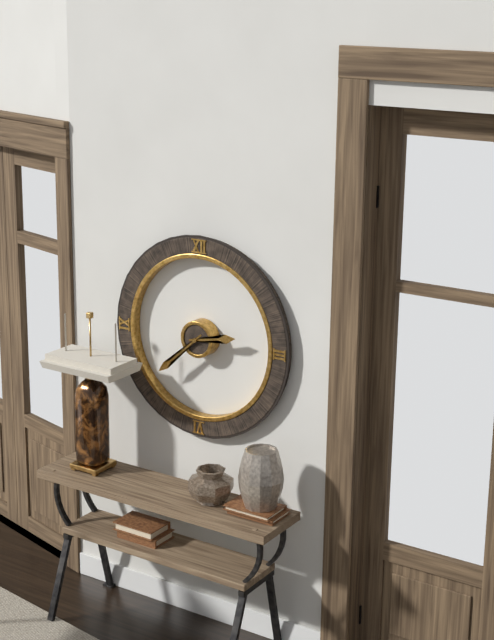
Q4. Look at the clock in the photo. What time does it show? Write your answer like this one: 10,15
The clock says 2,38
